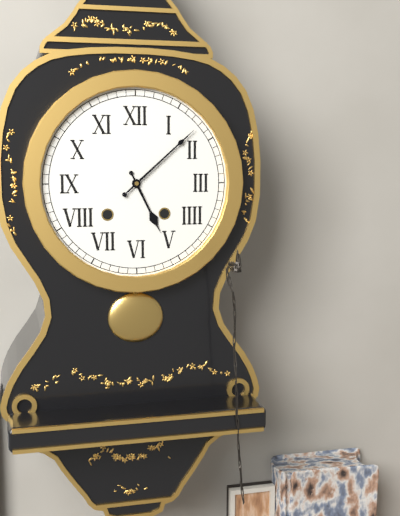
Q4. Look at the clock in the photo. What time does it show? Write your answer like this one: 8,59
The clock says 5,08
